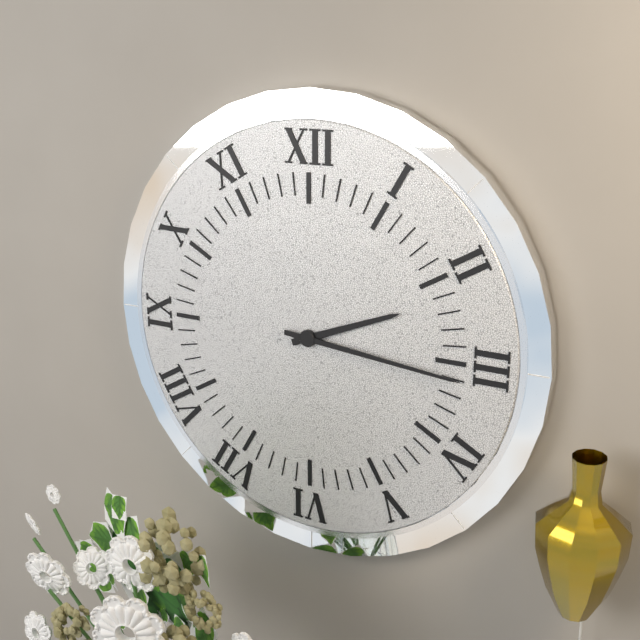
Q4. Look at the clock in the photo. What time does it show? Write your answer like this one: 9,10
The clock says 2,16
